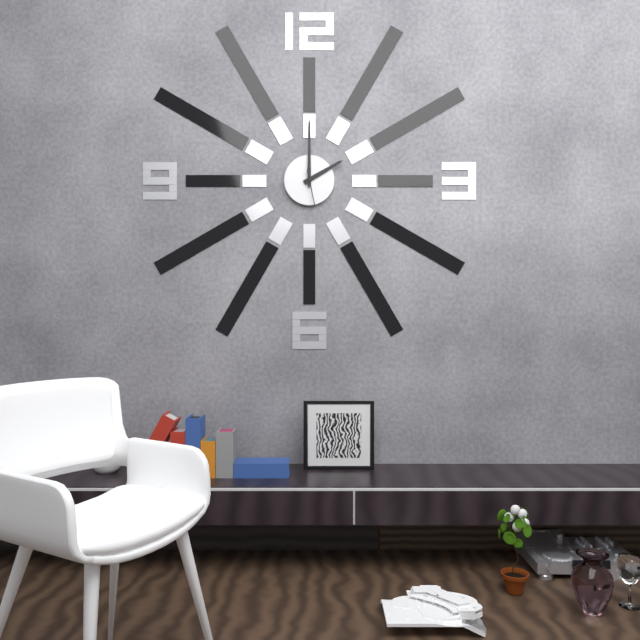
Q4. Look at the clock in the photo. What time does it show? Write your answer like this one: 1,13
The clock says 2,00
